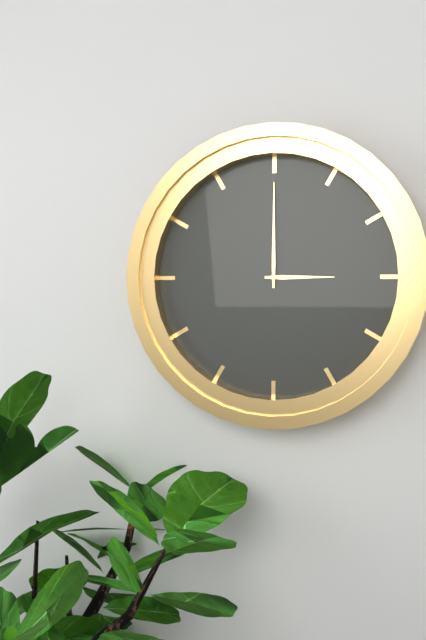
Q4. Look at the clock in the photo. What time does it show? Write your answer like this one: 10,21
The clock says 3,00
